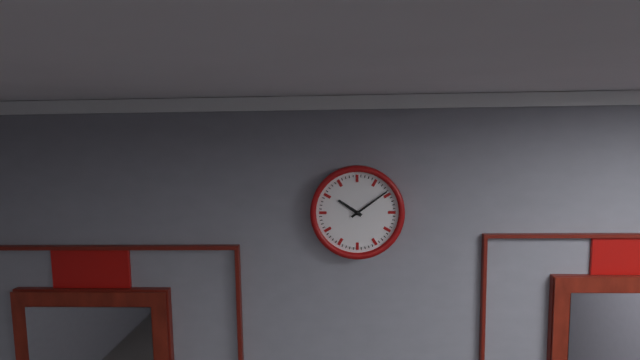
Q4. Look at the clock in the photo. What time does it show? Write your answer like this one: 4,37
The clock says 10,09
